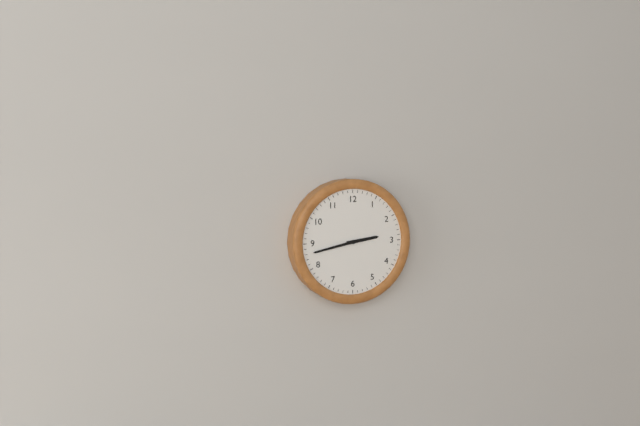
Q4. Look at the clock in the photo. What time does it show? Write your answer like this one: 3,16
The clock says 2,43
